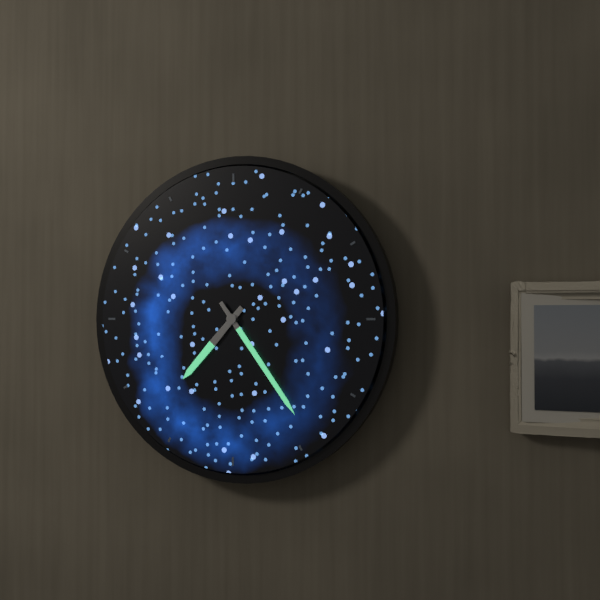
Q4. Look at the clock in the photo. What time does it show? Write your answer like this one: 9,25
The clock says 7,24
